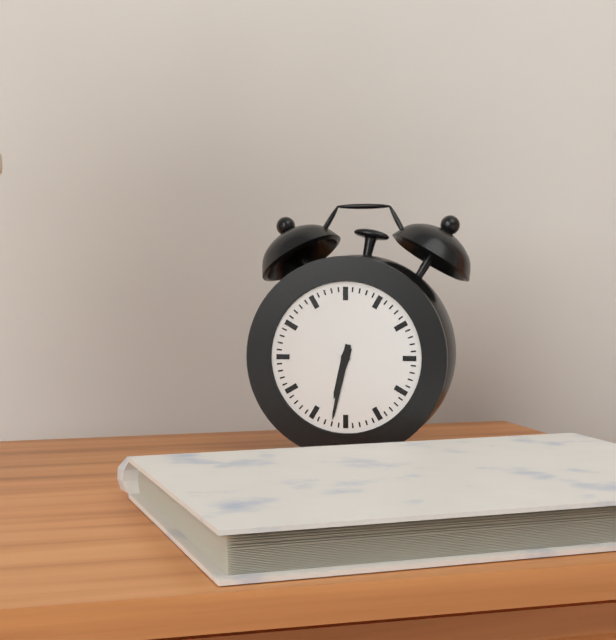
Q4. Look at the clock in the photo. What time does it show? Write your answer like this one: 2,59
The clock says 6,32
